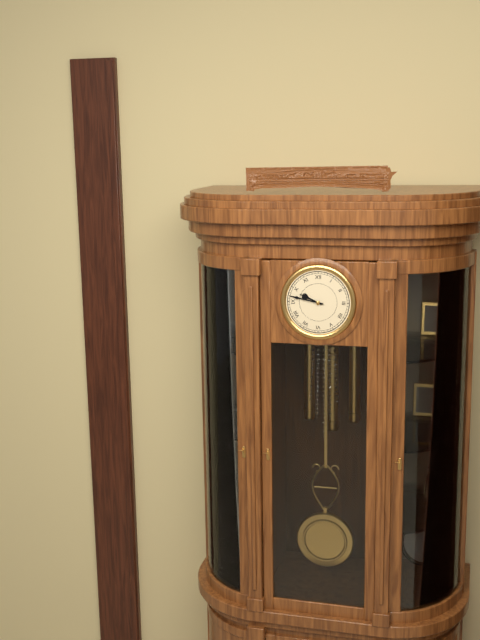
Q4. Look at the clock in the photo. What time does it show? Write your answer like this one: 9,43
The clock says 9,47
